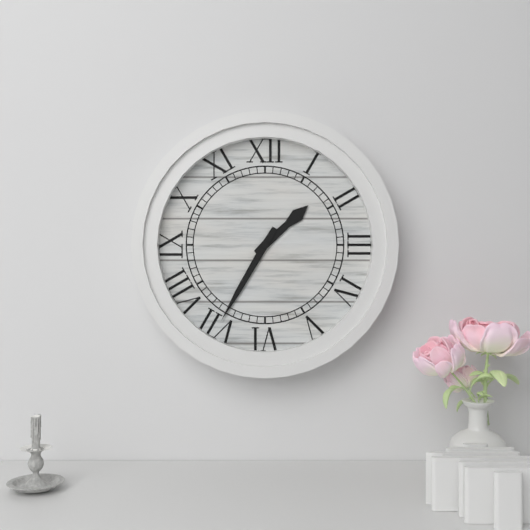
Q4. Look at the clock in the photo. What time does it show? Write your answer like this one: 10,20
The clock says 1,35
